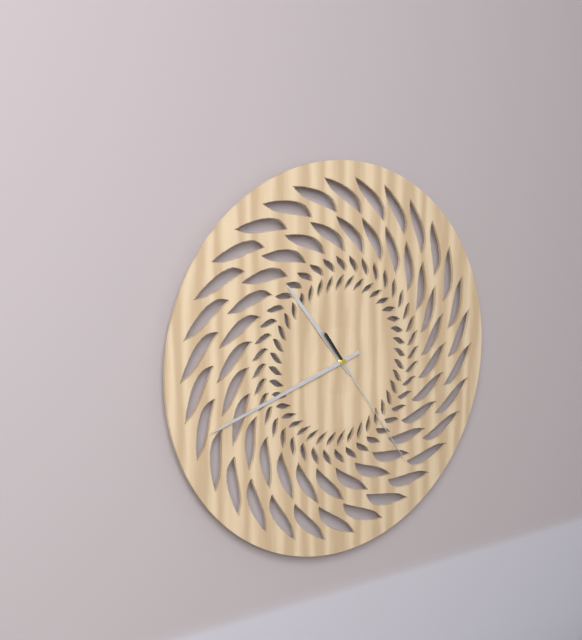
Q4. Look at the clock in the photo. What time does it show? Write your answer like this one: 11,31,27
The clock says 10,42,24
